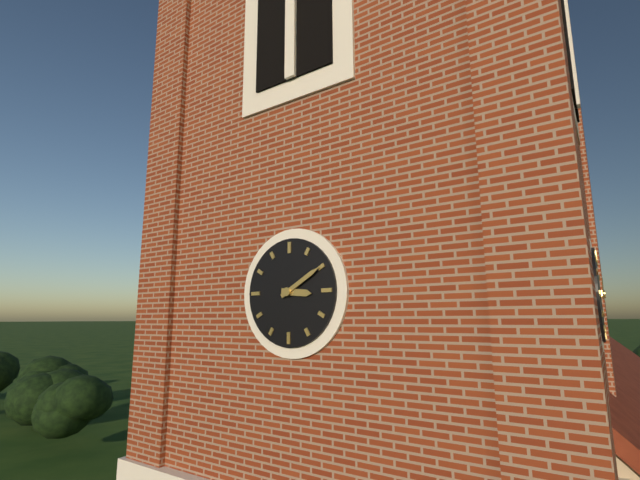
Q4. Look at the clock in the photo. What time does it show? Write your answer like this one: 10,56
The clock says 3,10
